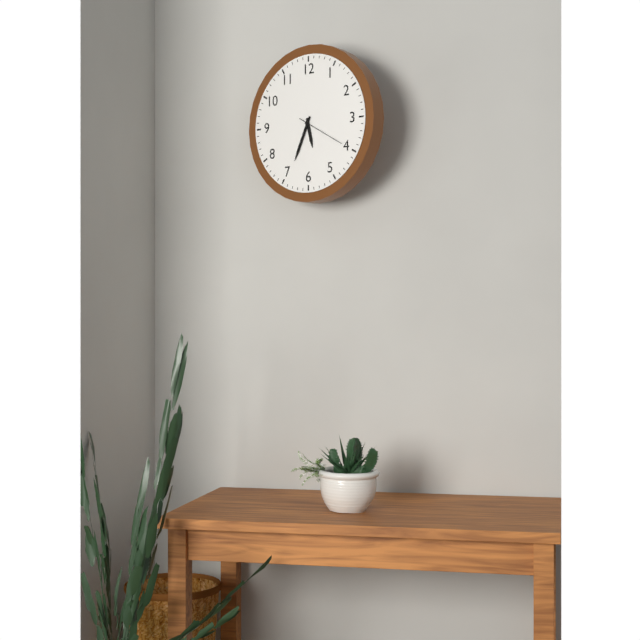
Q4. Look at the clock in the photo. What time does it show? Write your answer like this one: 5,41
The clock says 5,34
